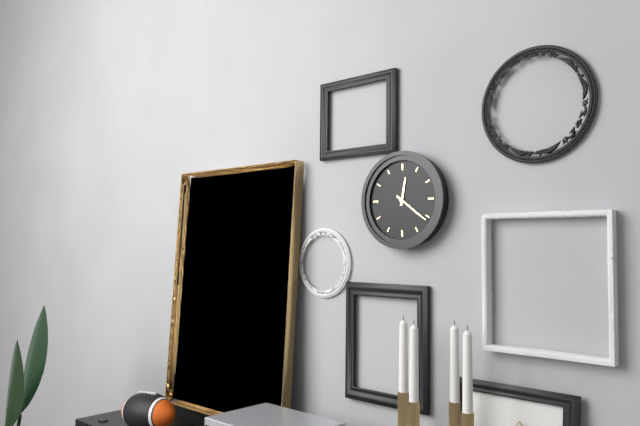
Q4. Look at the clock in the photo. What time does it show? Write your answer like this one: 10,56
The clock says 12,21
